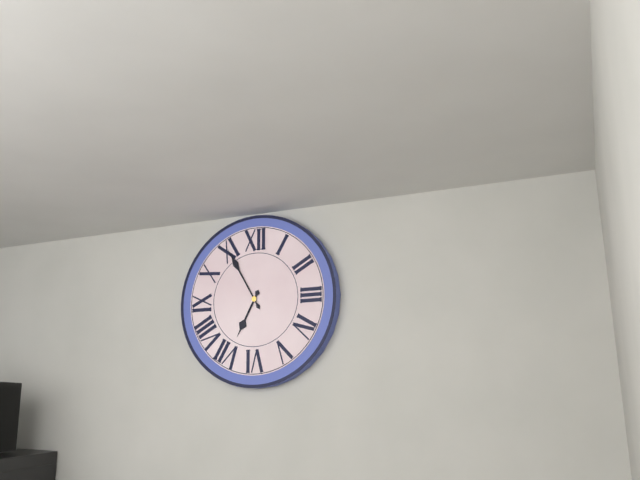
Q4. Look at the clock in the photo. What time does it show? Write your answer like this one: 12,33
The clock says 6,55
